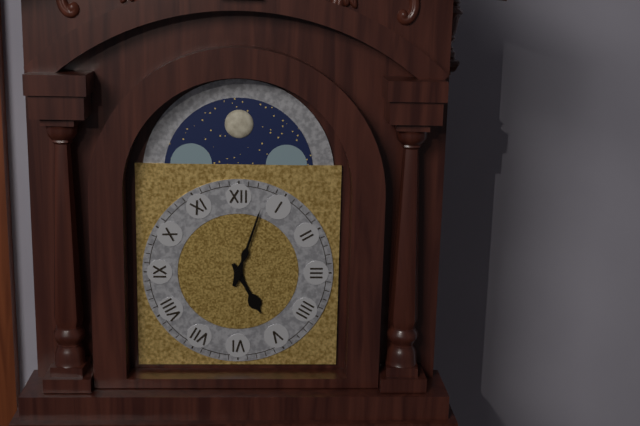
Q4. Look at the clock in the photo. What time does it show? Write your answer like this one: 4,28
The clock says 5,03
